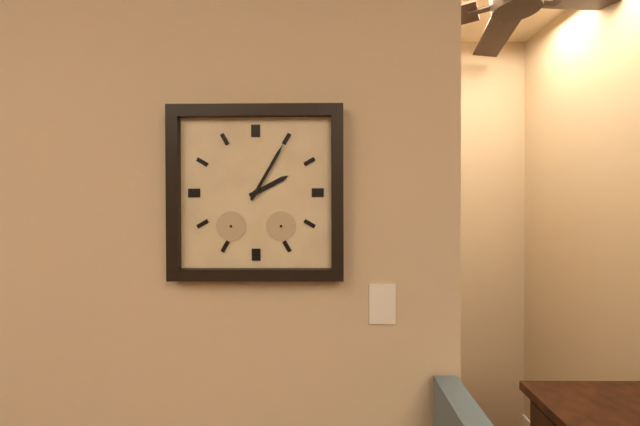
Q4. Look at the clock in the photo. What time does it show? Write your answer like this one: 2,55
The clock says 2,05
